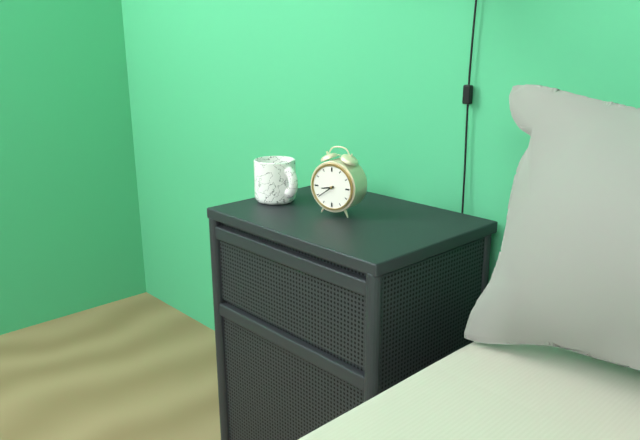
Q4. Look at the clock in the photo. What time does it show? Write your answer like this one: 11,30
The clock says 8,39
